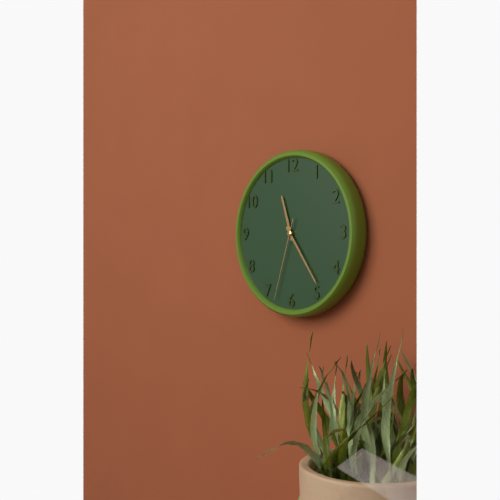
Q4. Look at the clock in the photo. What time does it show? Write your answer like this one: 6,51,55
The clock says 11,24,33
